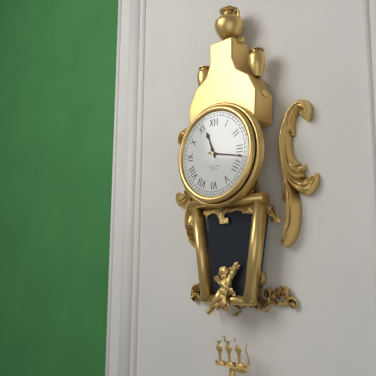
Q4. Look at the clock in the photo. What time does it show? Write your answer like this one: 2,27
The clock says 11,17
